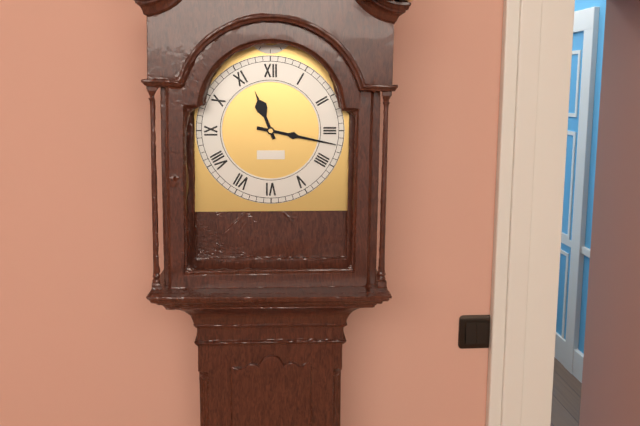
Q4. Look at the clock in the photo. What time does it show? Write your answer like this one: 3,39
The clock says 11,17
